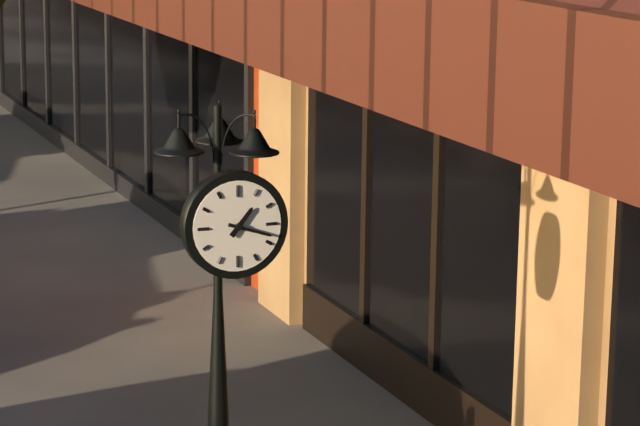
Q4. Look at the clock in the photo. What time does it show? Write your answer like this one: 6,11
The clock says 1,18
